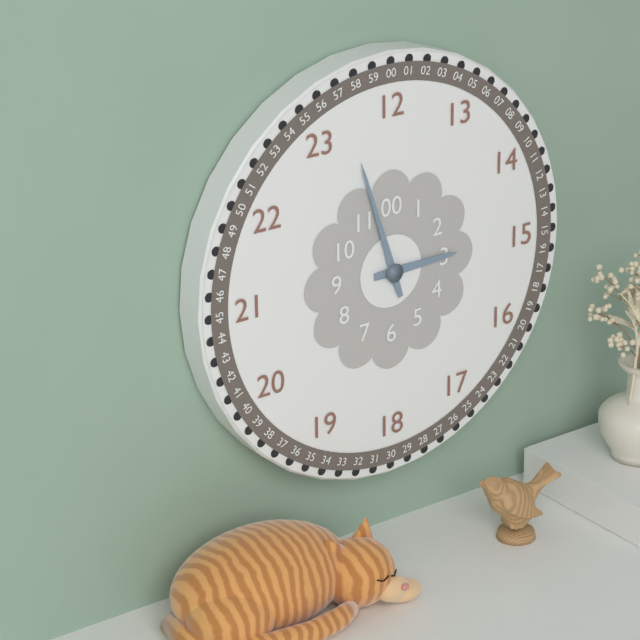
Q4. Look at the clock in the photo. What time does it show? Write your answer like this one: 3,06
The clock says 2,57
